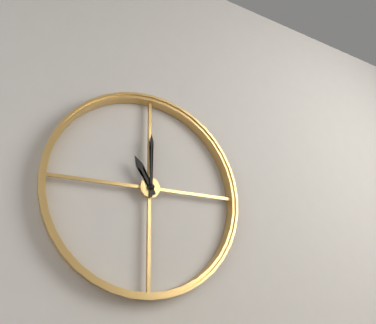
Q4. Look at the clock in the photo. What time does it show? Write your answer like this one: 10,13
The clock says 11,00
